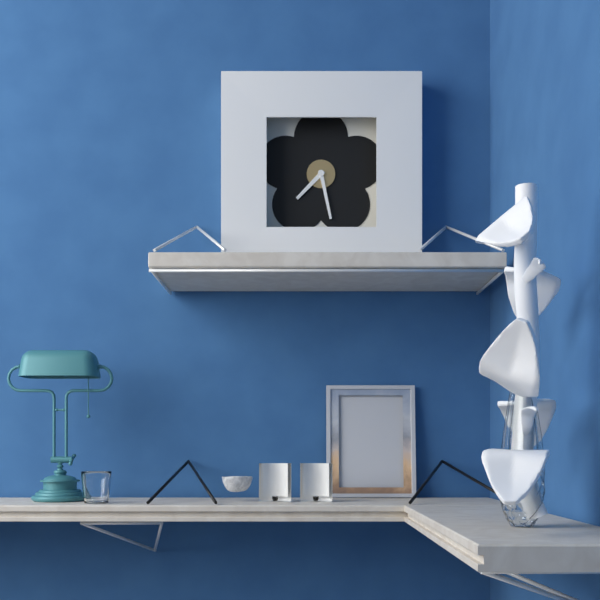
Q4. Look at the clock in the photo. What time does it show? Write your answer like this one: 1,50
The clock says 7,28
